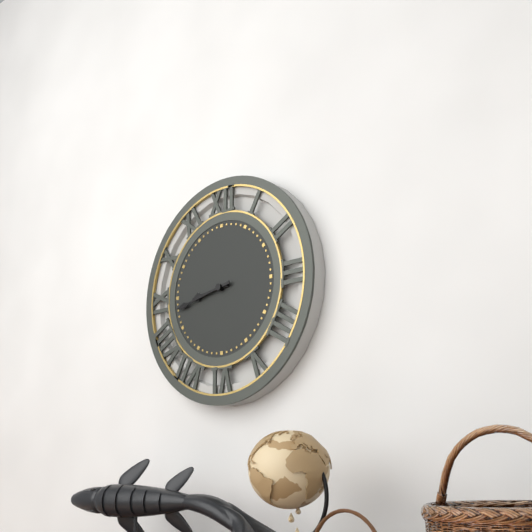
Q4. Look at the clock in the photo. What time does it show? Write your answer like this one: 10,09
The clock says 8,43
